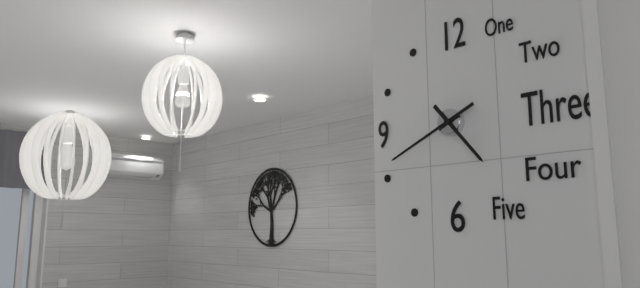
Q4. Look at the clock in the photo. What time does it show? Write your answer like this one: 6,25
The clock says 4,41
